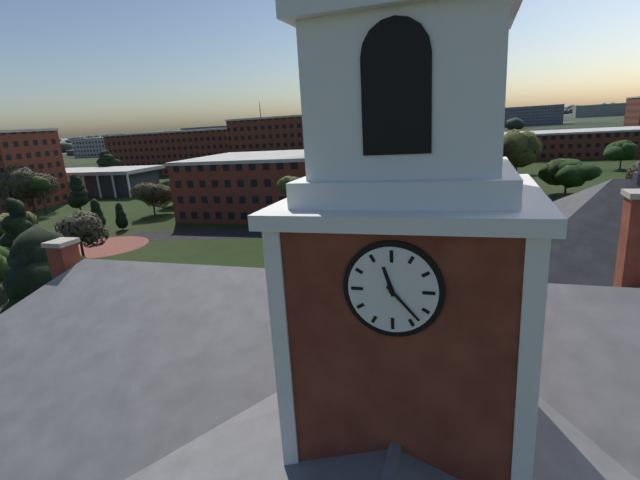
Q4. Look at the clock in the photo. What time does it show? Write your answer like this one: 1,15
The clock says 11,23
